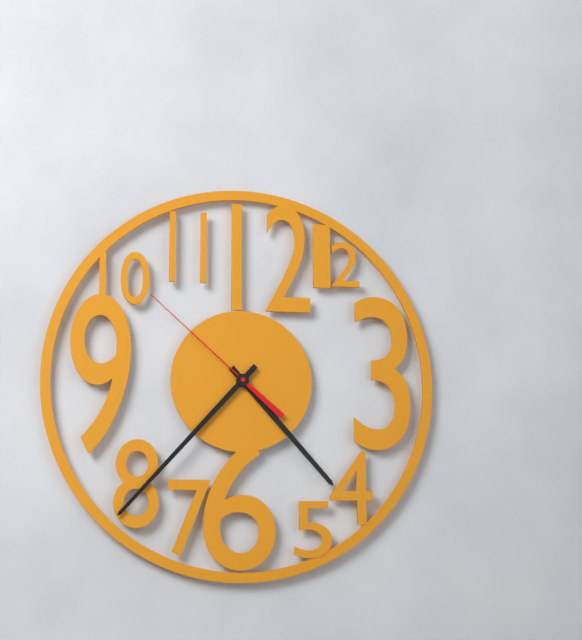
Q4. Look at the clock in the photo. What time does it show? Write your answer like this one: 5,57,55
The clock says 4,37,52
